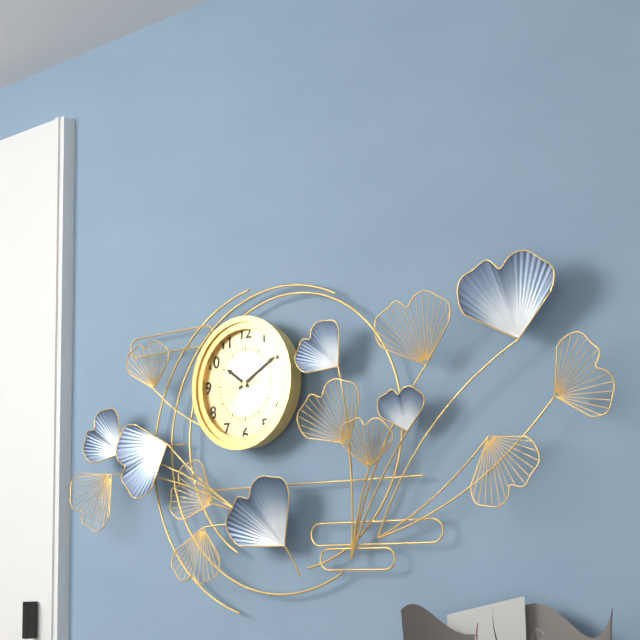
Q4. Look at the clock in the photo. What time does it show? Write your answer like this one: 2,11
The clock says 10,10
